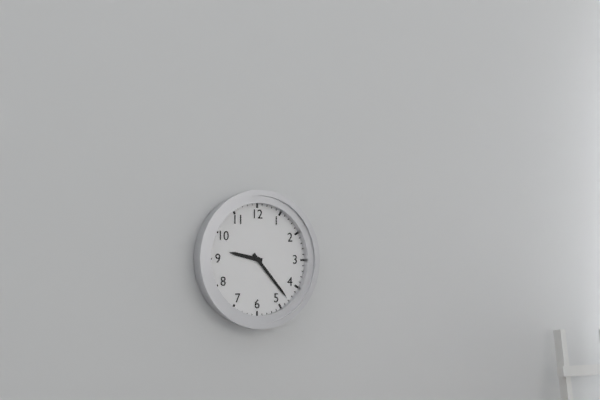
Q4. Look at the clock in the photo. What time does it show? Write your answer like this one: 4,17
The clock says 9,23
